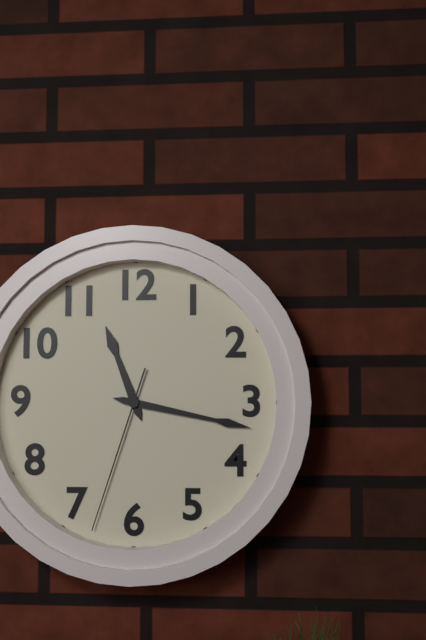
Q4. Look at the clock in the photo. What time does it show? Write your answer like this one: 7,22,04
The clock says 11,17,33
